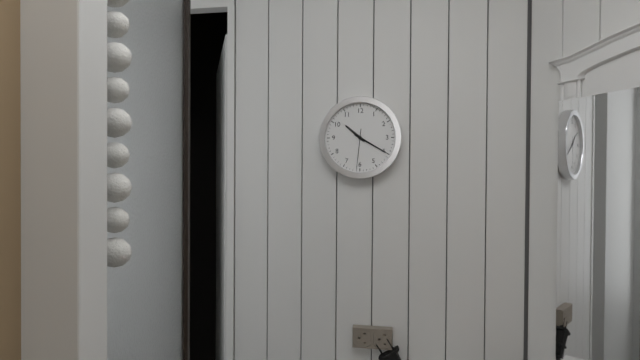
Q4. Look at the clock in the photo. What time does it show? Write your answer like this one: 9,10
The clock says 10,20
